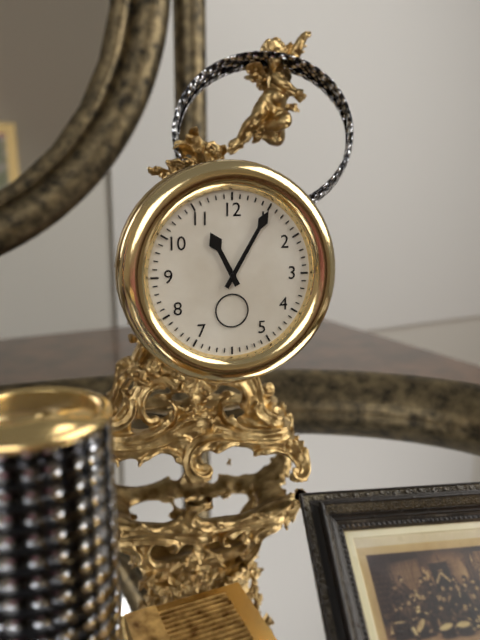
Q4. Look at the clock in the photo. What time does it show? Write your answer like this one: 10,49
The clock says 11,05
